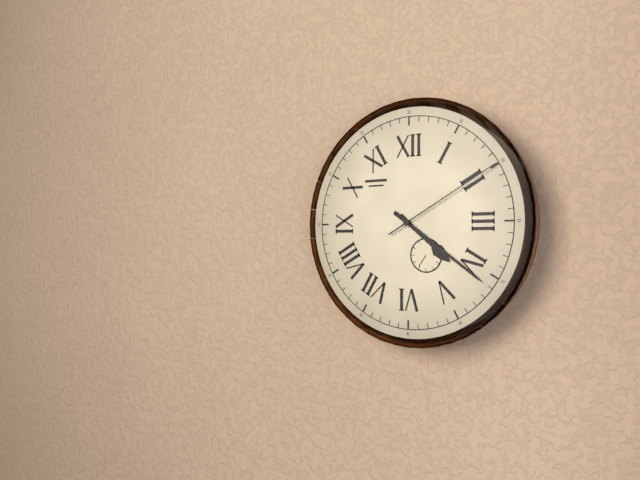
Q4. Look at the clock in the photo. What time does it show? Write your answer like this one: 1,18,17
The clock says 4,21,10
